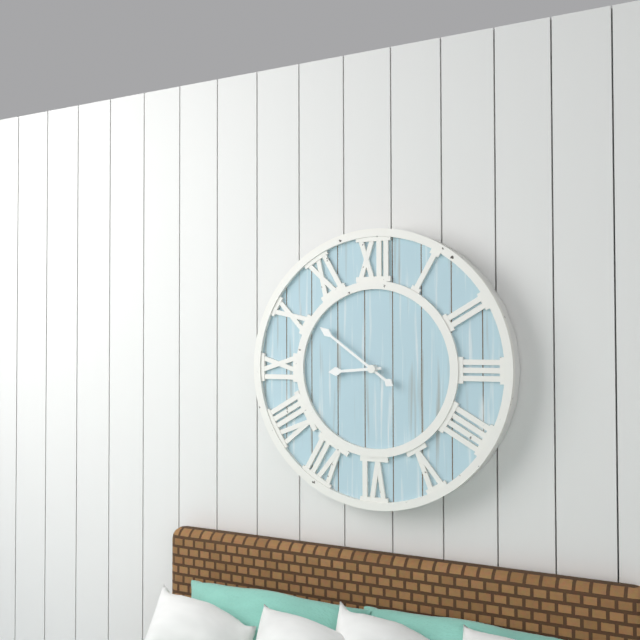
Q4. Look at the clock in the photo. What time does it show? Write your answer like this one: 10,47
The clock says 8,51
